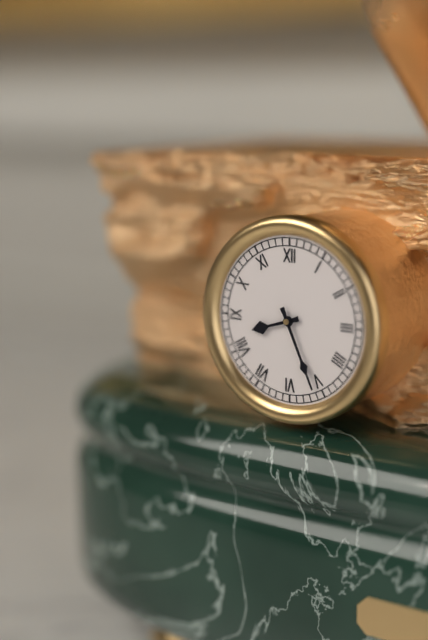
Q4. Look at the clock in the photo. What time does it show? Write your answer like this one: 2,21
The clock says 8,26
